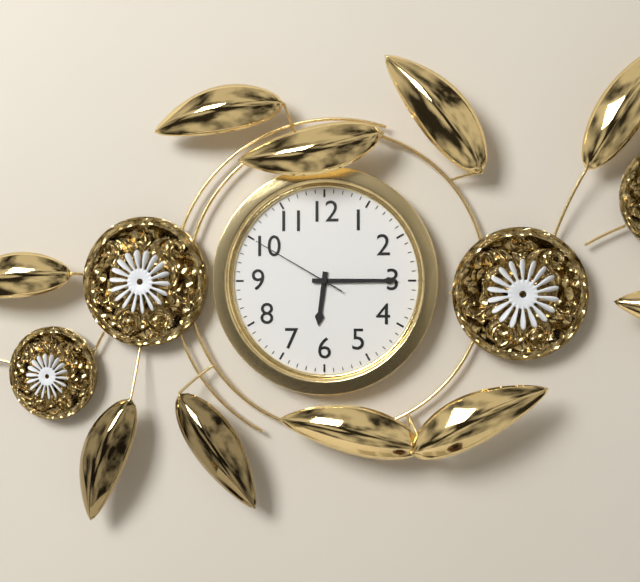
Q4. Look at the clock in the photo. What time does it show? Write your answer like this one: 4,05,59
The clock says 6,15,50
